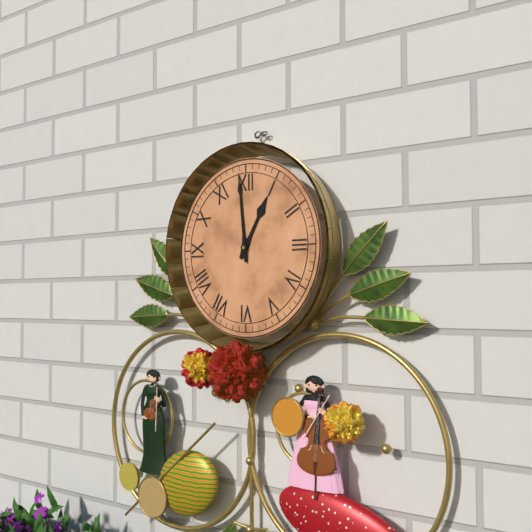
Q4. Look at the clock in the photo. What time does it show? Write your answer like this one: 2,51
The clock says 12,59
